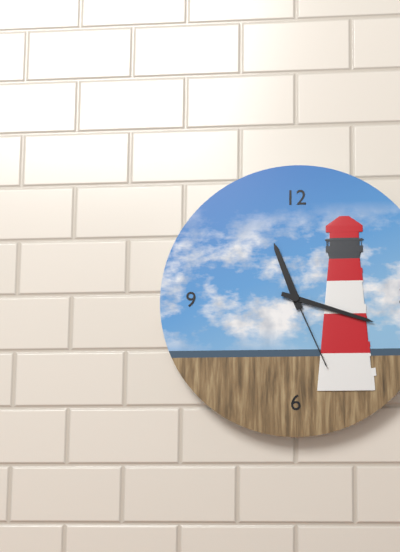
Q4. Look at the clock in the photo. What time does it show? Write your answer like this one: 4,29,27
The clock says 11,18,26
